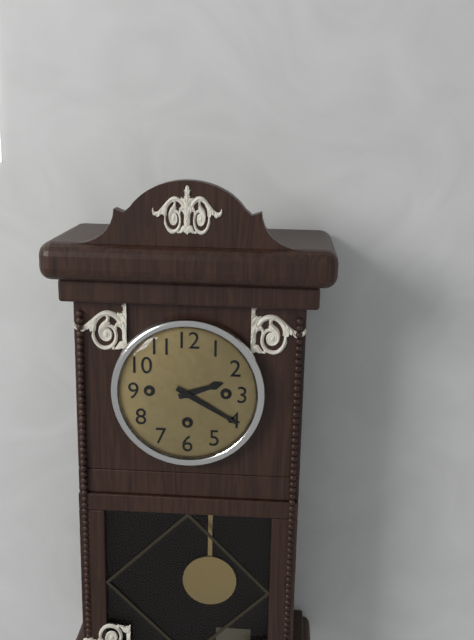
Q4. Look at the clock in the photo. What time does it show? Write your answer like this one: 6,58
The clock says 2,20
